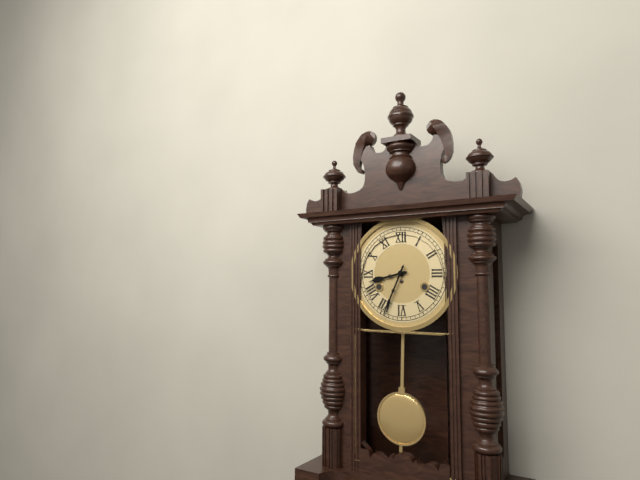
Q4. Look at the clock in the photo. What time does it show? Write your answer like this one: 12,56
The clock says 8,34
